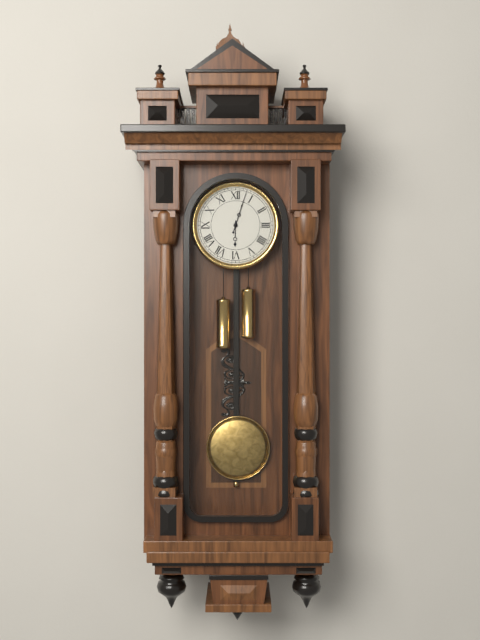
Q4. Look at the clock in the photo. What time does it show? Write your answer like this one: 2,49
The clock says 6,03
